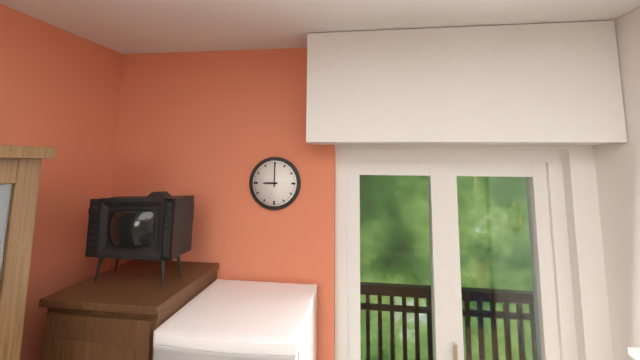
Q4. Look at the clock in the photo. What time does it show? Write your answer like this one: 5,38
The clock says 9,00
